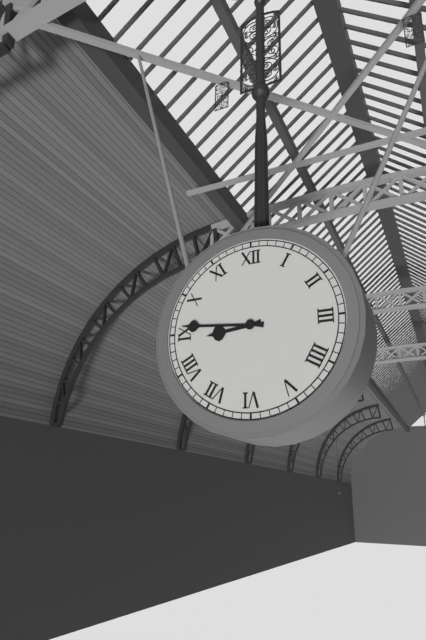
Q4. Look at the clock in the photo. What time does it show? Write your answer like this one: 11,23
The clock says 8,46
